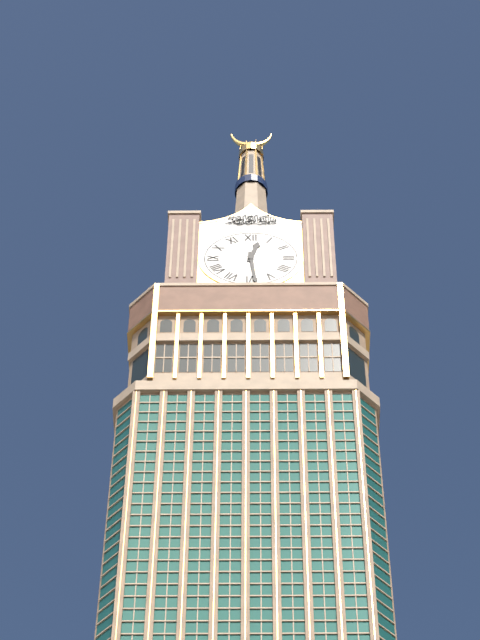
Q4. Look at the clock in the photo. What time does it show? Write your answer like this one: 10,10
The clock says 12,29
